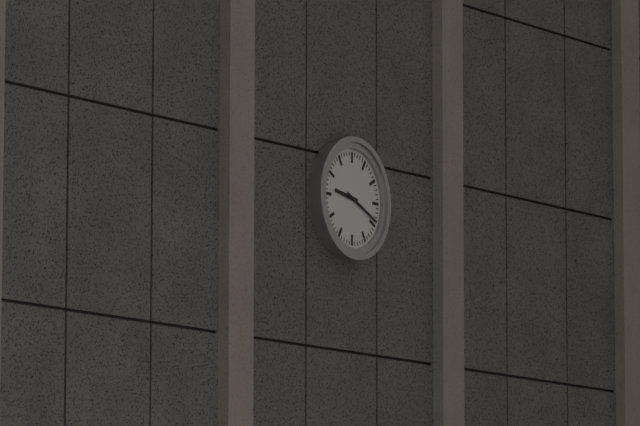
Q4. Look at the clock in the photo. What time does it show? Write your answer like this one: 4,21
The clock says 9,19
